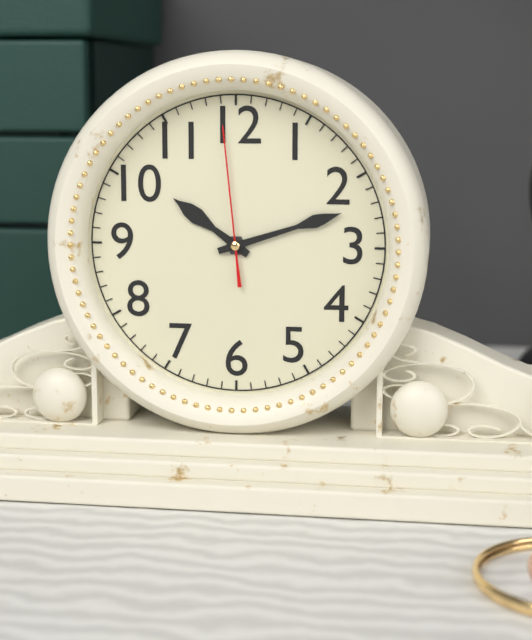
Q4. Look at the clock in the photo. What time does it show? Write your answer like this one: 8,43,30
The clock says 10,12,59
